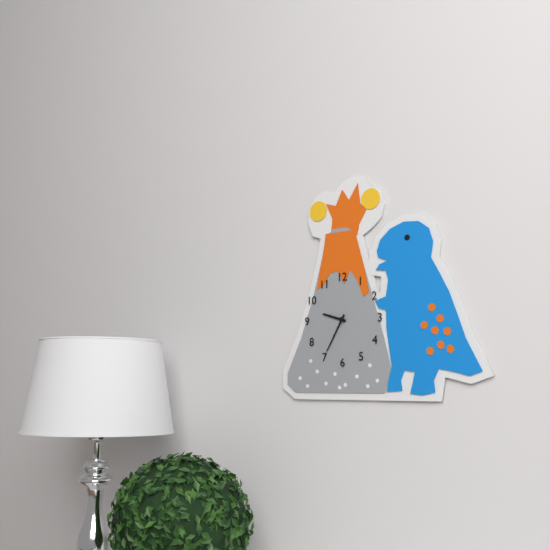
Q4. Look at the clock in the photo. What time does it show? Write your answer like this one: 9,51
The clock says 9,35
